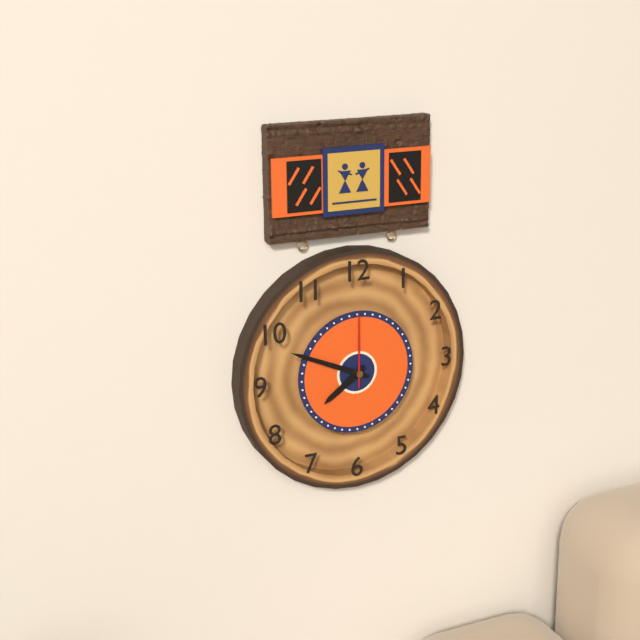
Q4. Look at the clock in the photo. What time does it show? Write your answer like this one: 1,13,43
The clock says 7,49,00
